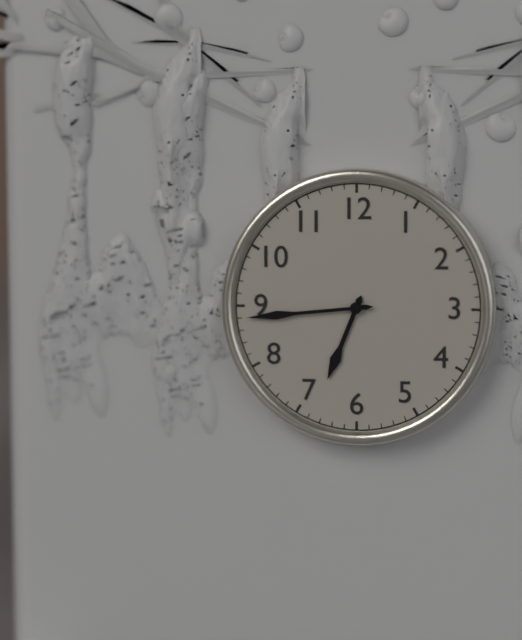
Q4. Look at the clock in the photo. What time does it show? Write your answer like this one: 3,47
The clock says 6,44
